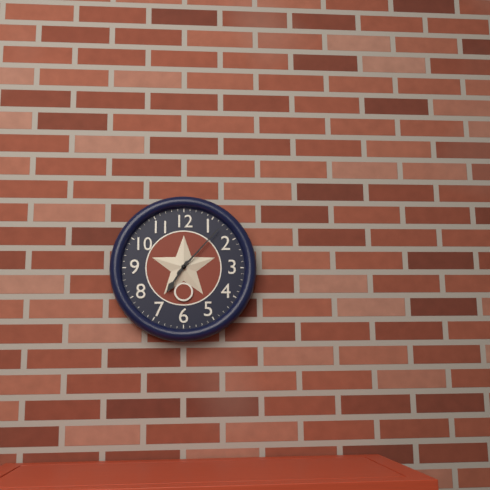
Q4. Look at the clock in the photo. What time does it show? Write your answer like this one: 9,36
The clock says 7,07
